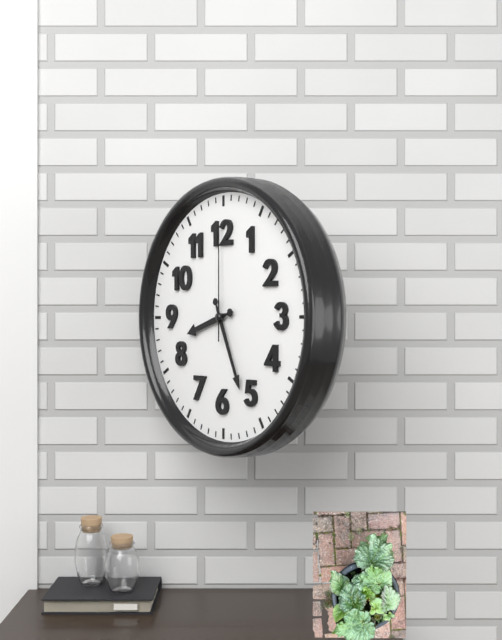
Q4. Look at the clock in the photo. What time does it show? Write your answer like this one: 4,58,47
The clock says 8,26,00
